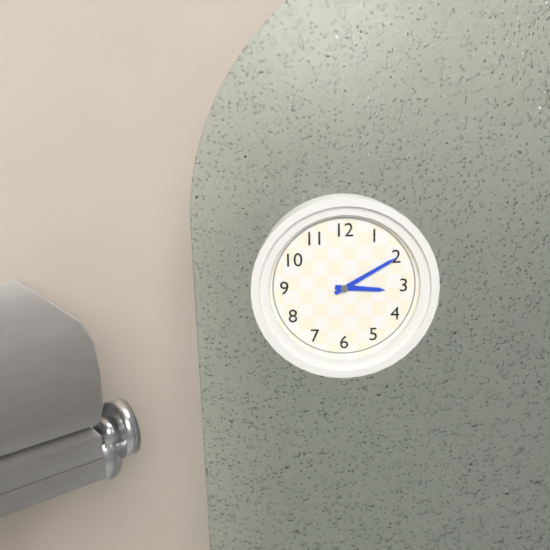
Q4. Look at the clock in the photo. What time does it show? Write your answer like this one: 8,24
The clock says 3,10
